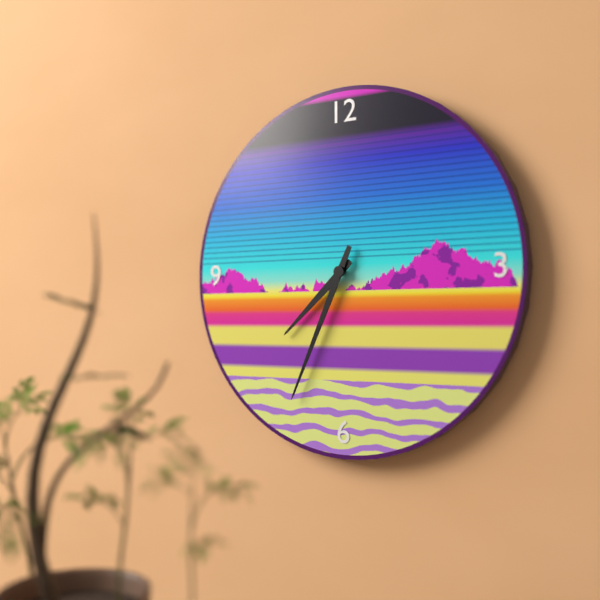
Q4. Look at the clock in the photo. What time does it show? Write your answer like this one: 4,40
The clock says 7,34
